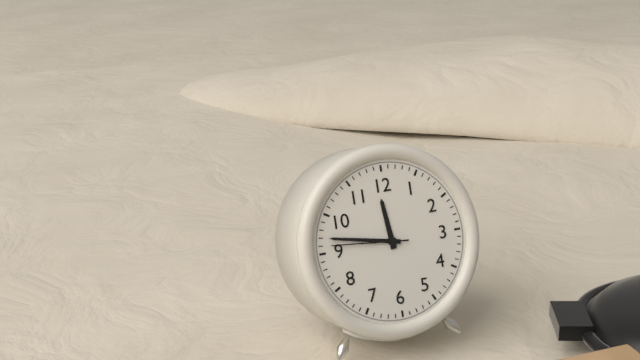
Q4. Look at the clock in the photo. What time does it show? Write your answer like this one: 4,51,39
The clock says 11,47,46
